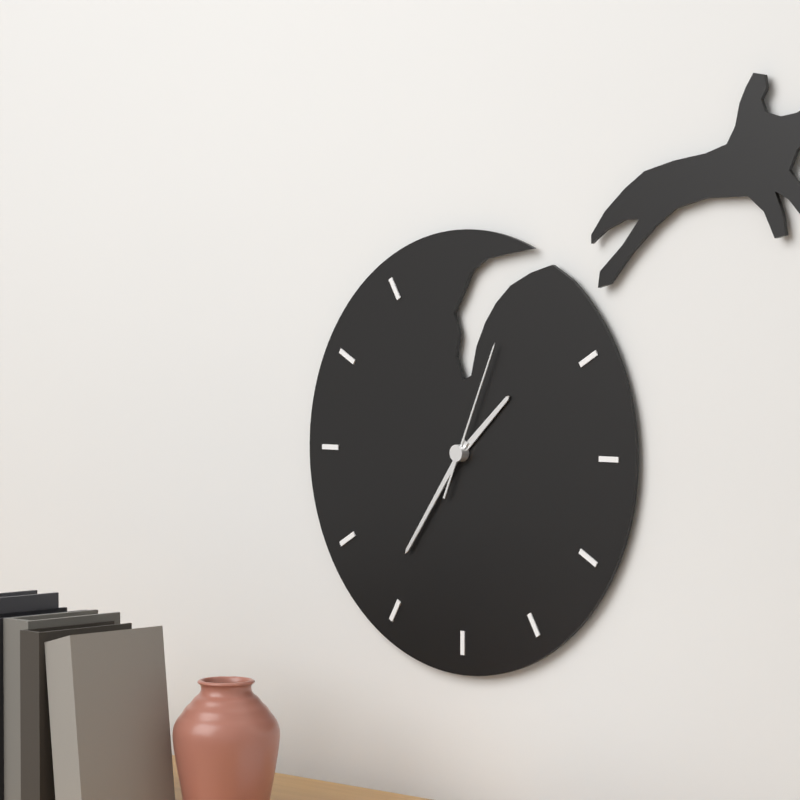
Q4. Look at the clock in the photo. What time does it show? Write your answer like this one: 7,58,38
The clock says 1,36,04
